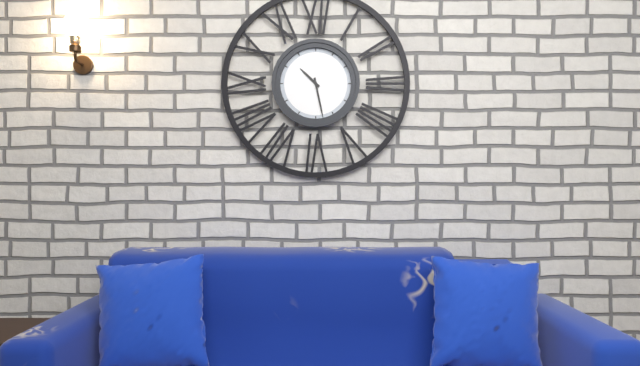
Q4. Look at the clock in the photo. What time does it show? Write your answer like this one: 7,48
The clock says 10,28
